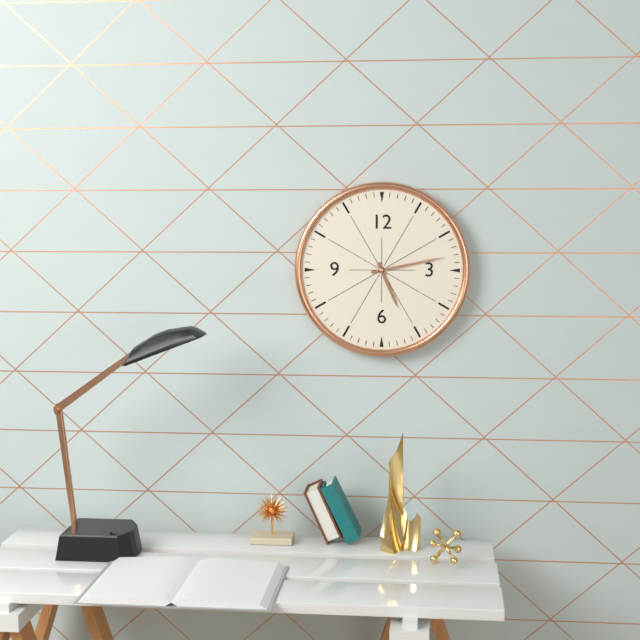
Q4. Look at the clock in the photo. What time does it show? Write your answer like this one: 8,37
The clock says 5,13
